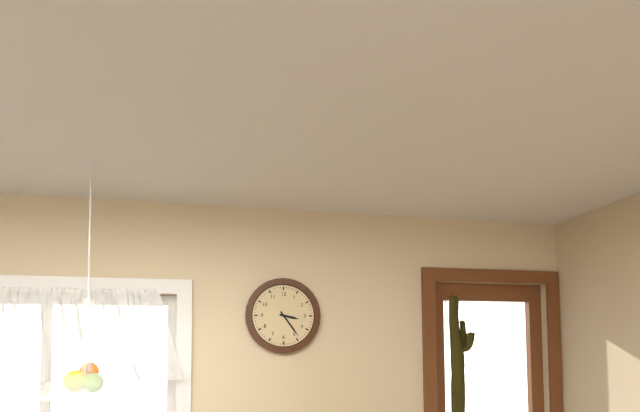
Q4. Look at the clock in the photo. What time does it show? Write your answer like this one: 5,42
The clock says 3,24
